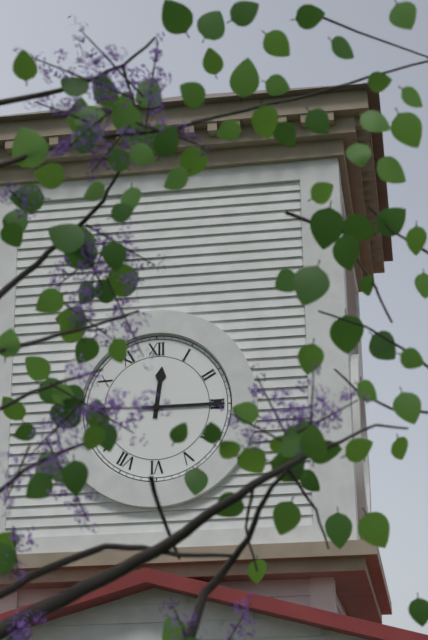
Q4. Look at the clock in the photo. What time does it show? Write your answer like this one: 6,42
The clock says 12,15
